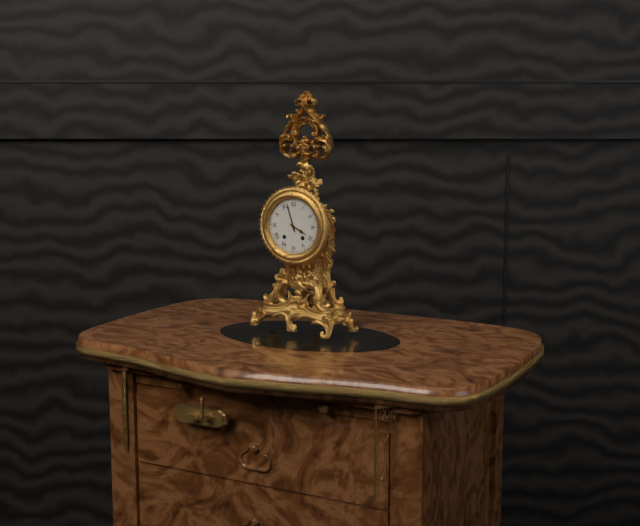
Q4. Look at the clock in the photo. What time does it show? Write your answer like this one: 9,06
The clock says 3,57
